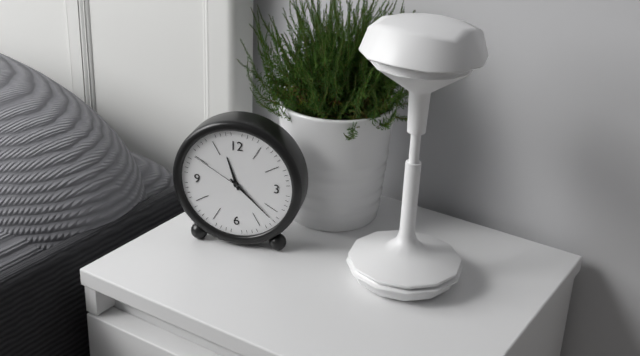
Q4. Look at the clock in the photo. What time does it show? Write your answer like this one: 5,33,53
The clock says 11,22,50
